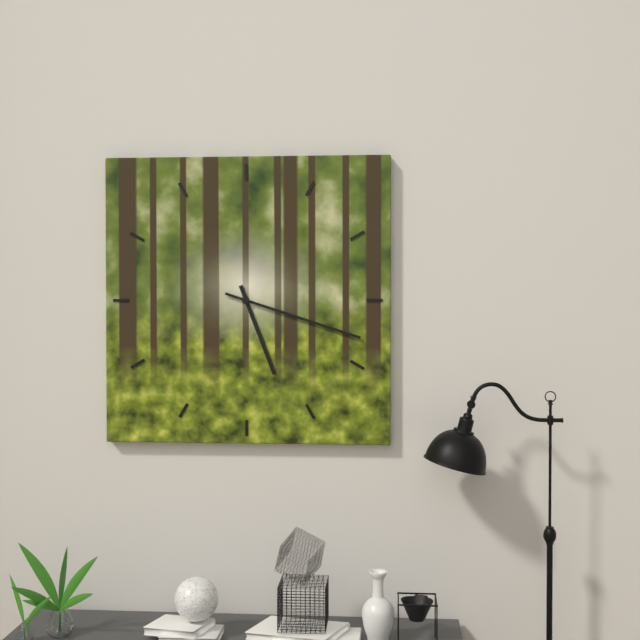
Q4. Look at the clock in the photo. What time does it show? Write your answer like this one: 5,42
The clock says 5,18
